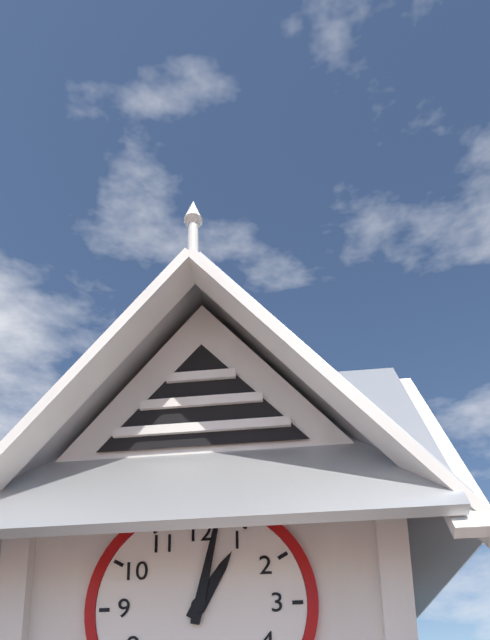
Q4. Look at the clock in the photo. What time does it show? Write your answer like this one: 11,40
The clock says 1,02
